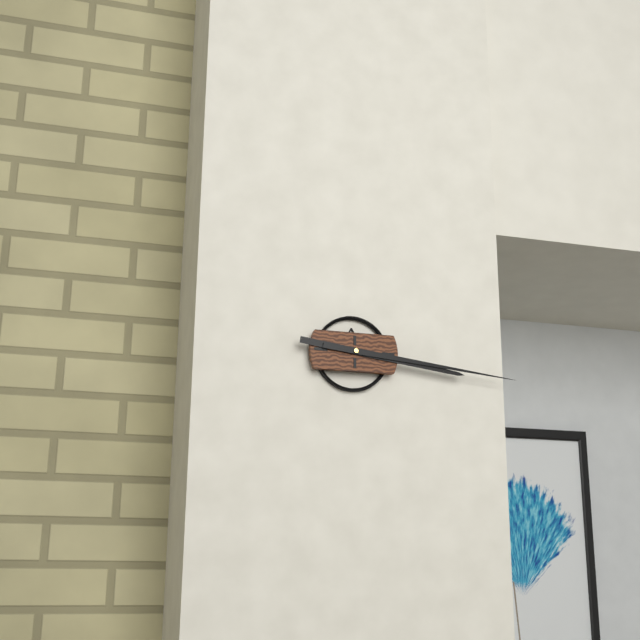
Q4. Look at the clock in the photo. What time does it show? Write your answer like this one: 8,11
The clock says 3,16
